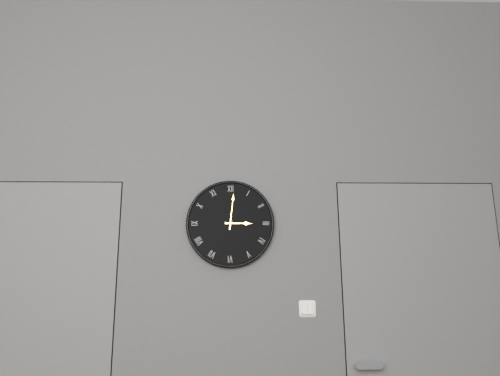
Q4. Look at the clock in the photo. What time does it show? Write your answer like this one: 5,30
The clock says 3,01
